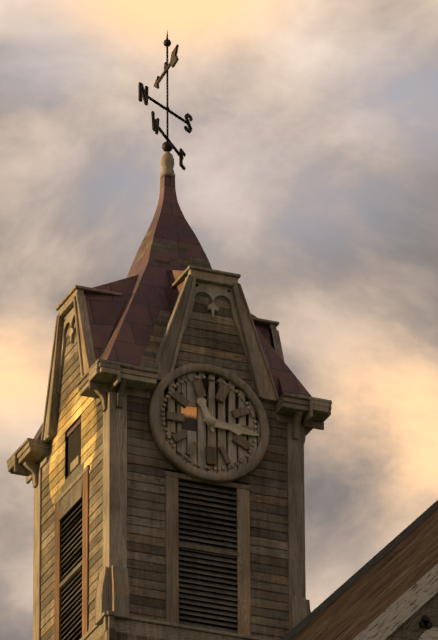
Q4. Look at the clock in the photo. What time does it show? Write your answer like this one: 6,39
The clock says 11,16
